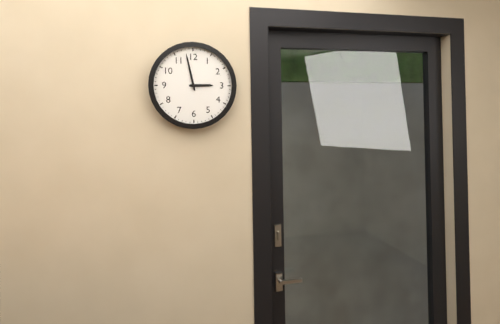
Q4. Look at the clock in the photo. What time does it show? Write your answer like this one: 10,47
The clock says 2,58
